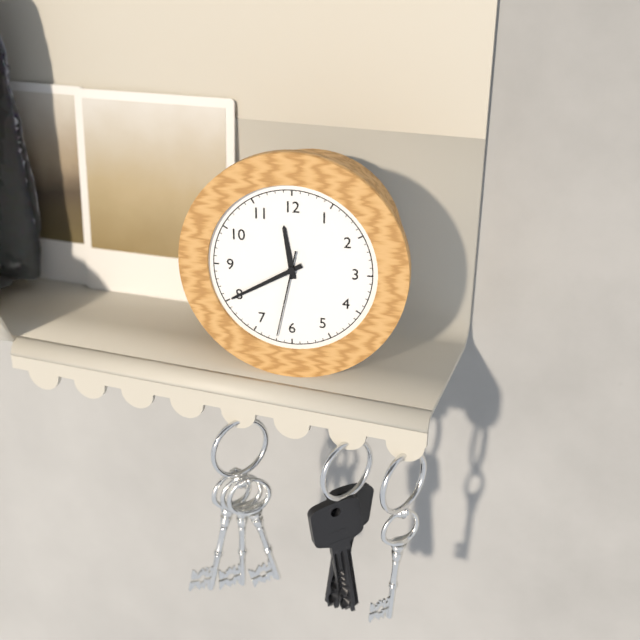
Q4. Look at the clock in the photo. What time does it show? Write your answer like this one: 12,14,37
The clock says 11,40,32
